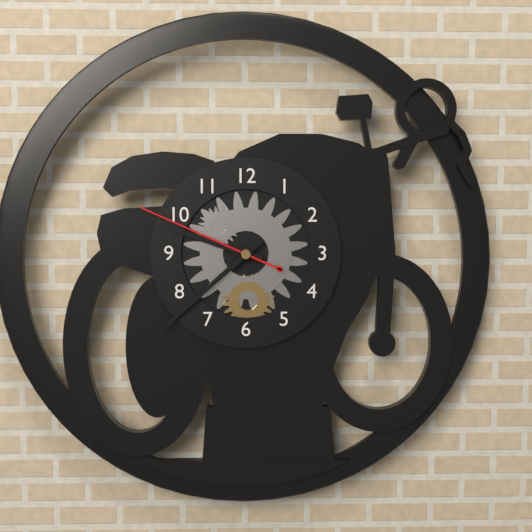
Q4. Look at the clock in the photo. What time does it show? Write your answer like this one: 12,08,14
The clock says 9,38,49
